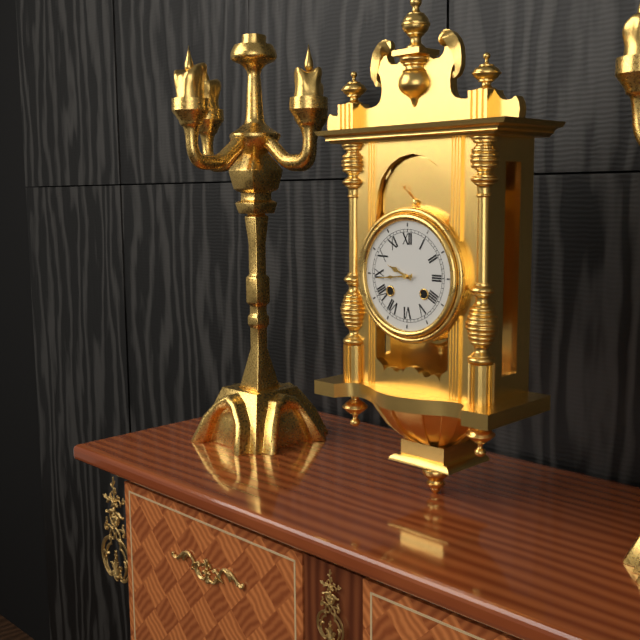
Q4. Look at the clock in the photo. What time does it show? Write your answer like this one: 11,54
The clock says 9,44
